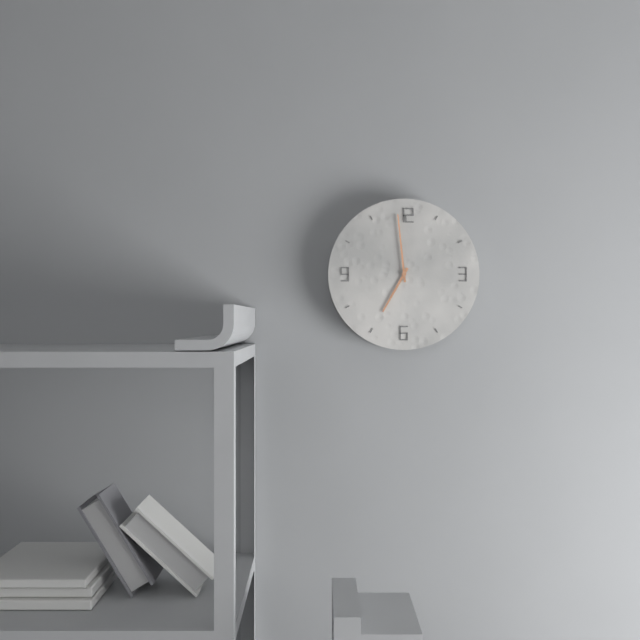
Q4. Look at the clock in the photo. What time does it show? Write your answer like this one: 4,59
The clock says 6,59
